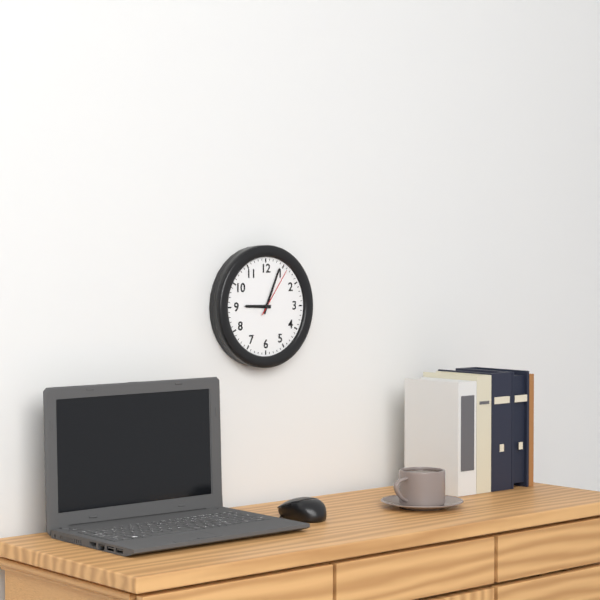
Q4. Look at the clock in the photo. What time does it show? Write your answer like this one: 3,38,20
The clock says 9,04,06
